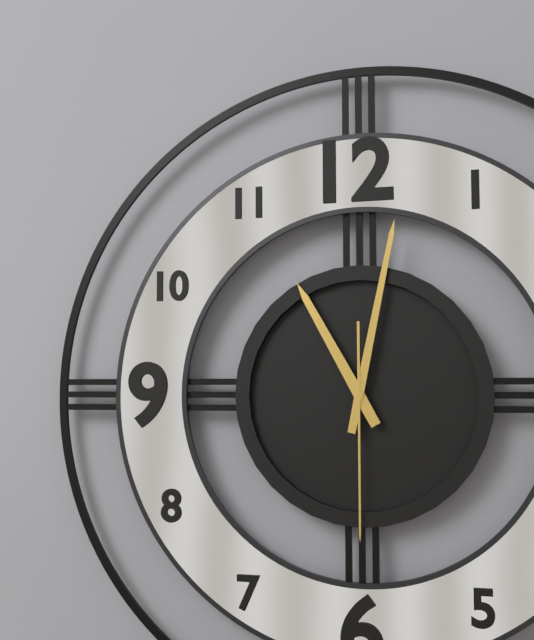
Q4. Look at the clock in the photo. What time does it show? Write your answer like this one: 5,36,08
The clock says 11,02,30
